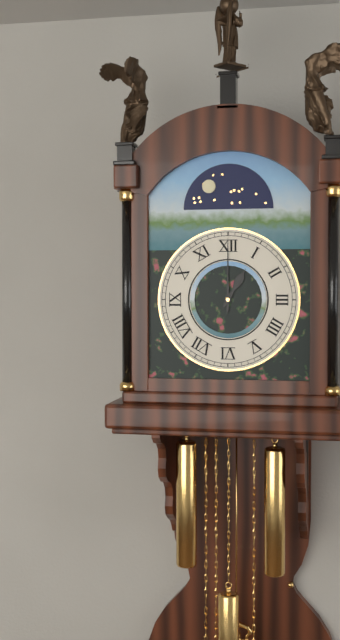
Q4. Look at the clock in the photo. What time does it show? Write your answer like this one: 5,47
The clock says 1,00
